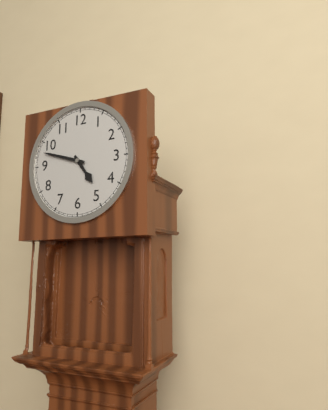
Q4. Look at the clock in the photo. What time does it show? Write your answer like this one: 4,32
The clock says 4,48
